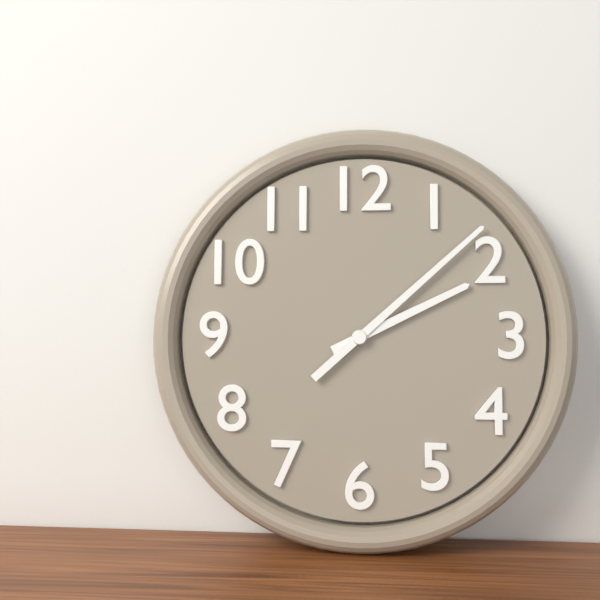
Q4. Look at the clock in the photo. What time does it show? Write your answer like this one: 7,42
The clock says 2,08
